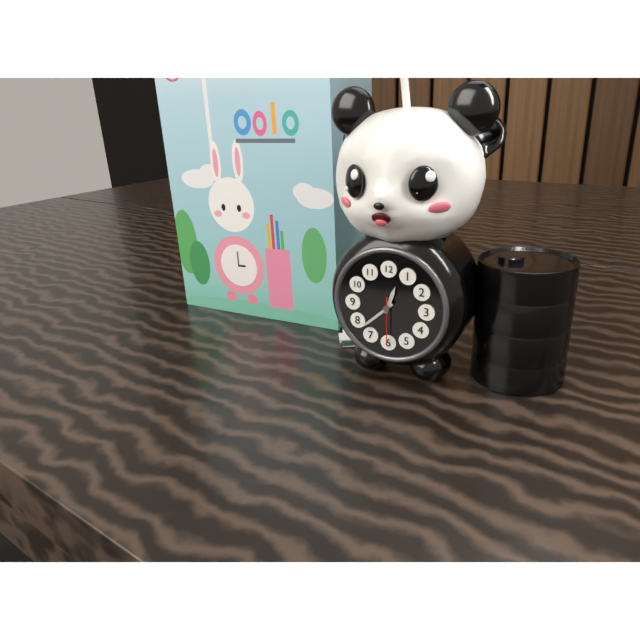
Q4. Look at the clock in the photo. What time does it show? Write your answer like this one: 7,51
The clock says 12,38
